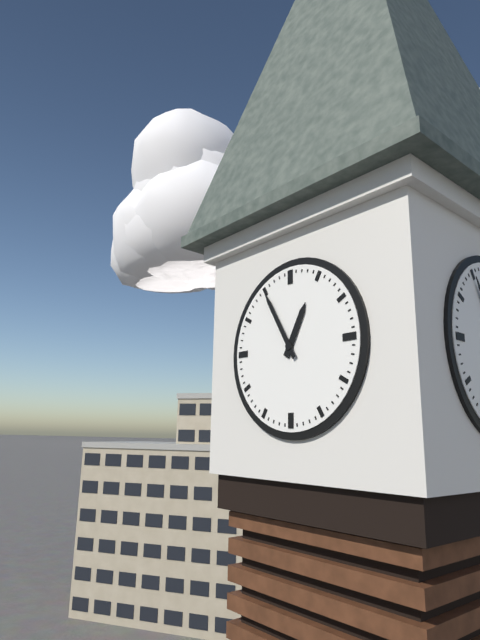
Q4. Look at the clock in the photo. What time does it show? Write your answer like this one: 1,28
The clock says 12,55
